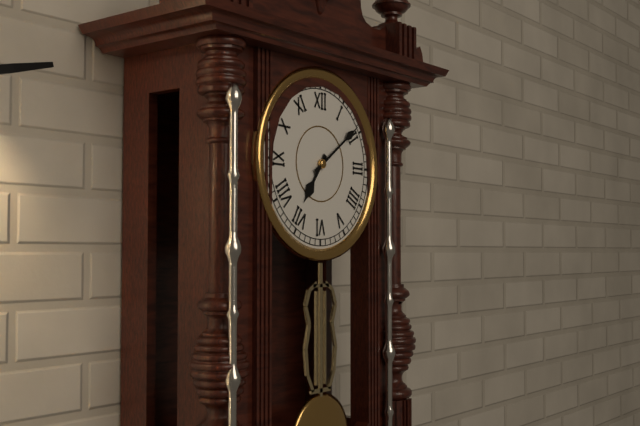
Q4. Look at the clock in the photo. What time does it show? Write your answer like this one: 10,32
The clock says 7,09
